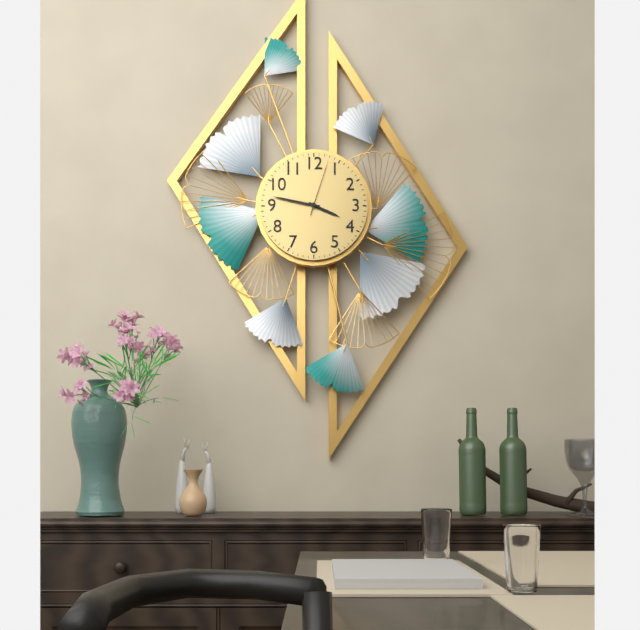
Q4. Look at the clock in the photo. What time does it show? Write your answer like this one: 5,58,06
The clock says 3,47,03
